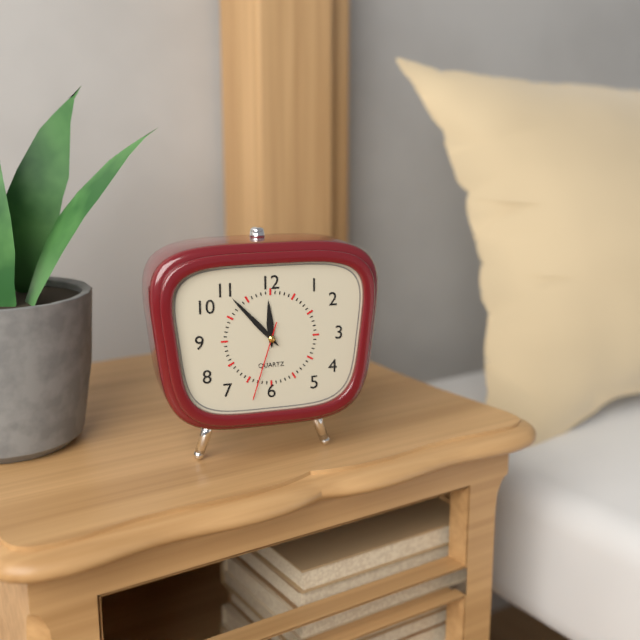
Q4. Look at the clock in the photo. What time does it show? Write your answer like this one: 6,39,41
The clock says 11,53,33
